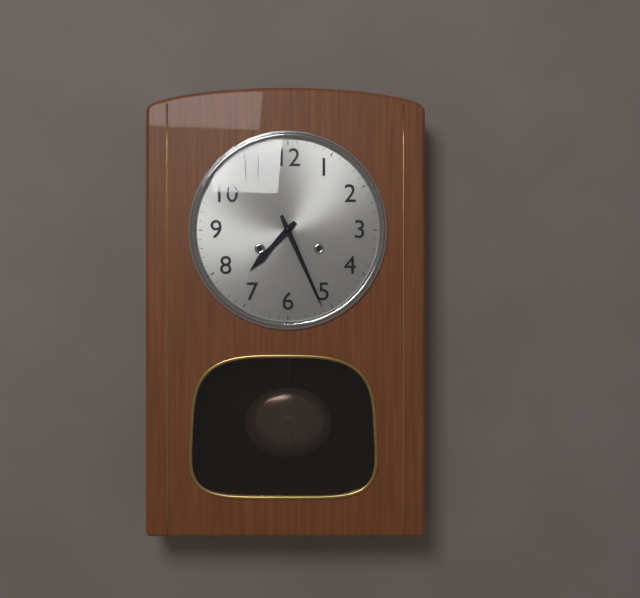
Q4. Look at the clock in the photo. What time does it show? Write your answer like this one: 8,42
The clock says 7,26
